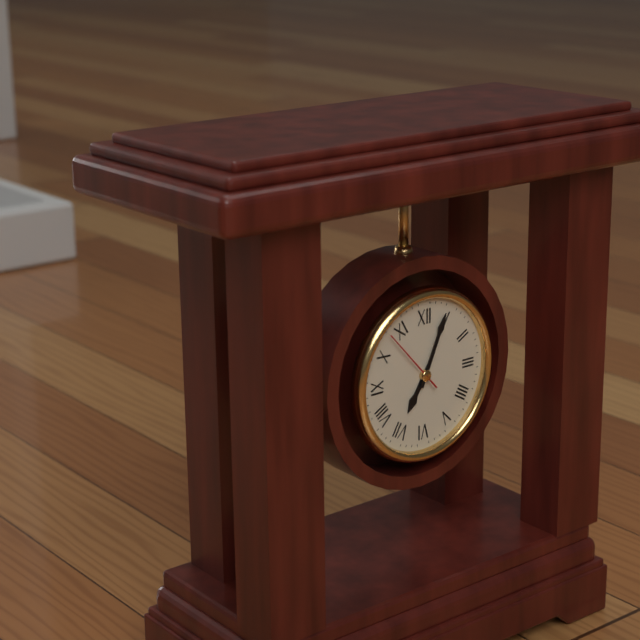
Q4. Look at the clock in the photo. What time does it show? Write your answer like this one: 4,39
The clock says 7,04
